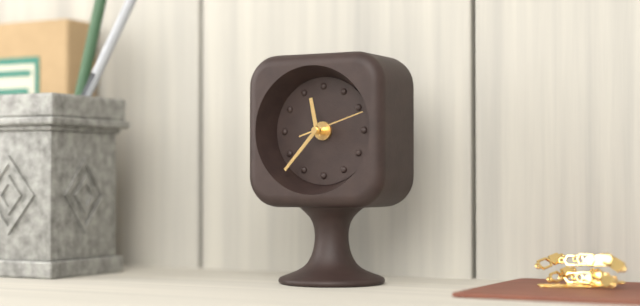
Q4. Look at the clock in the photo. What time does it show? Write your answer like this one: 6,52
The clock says 11,37
